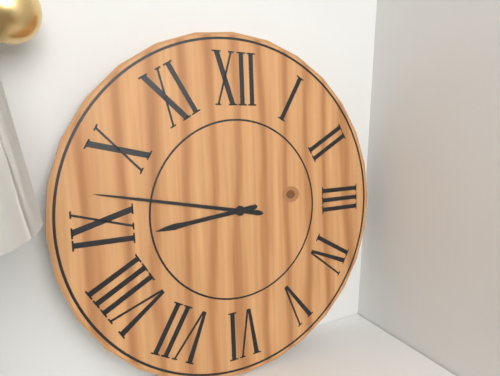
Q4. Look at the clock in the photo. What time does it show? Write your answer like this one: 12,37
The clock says 8,47
